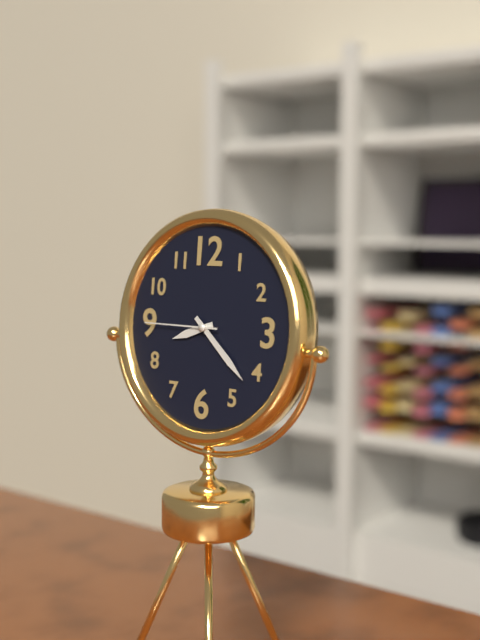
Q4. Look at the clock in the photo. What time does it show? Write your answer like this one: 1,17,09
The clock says 8,22,45
